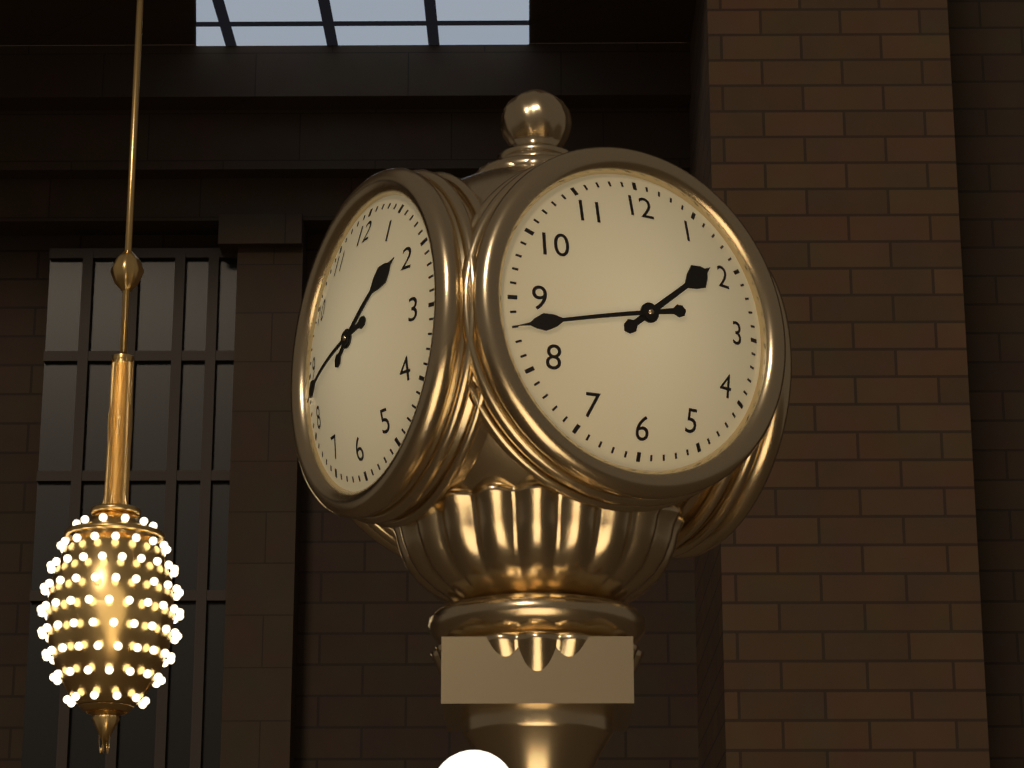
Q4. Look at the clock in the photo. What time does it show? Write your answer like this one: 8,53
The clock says 1,43
